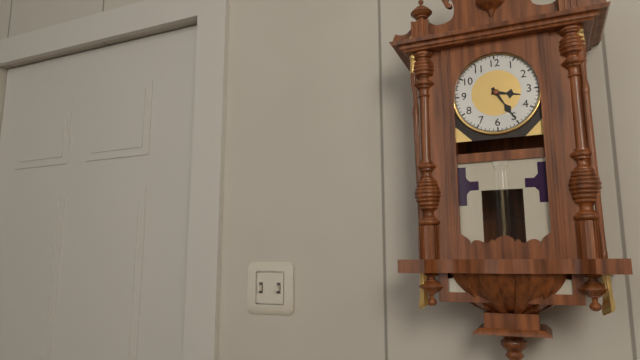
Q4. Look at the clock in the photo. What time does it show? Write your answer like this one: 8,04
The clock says 3,25
